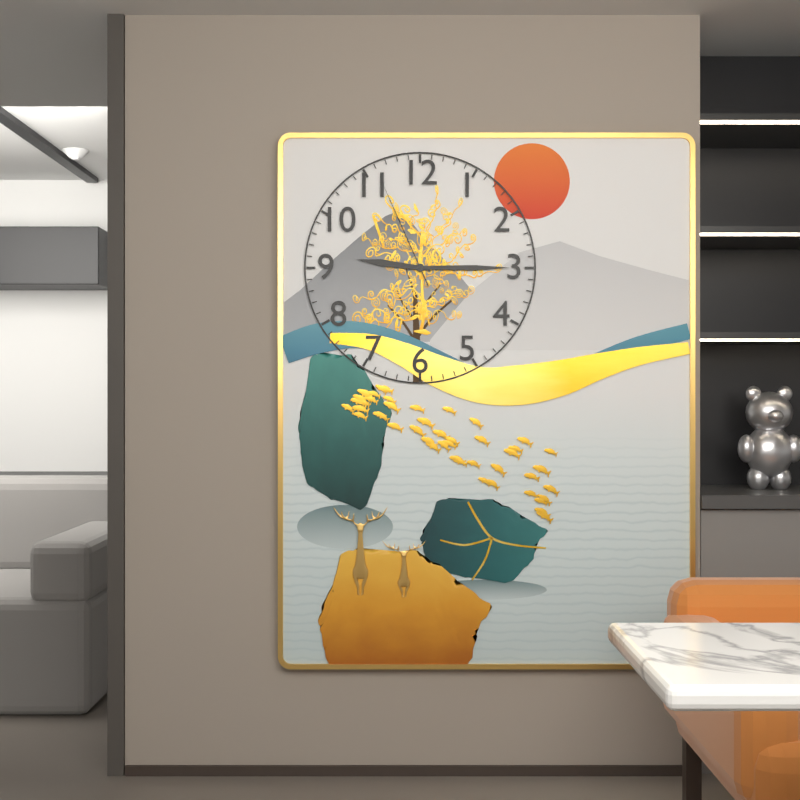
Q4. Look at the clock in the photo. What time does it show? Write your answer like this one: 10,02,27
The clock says 9,15,56
